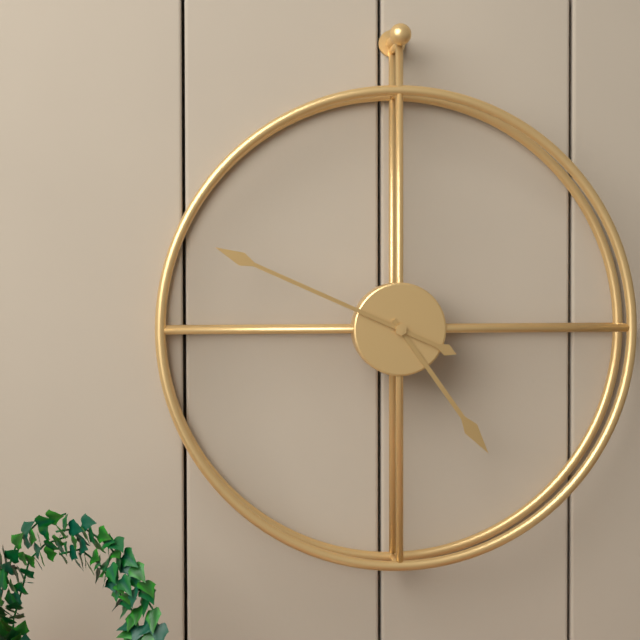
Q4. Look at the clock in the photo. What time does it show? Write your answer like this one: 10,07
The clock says 4,49
